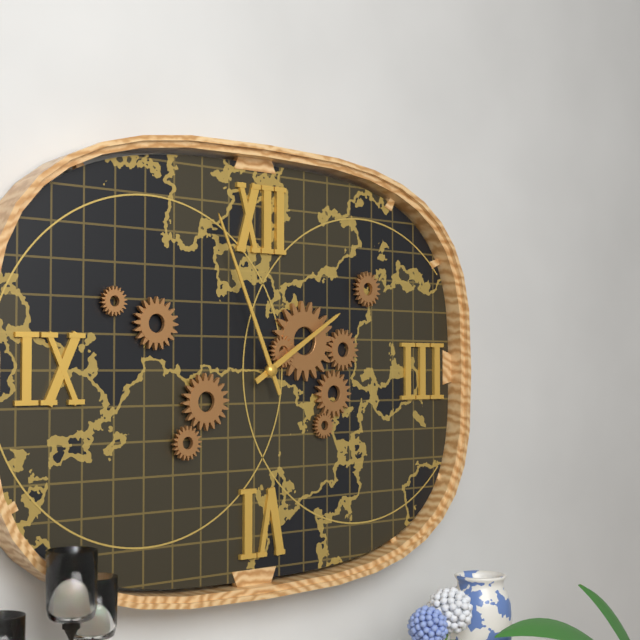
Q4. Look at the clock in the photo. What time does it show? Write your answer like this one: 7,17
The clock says 1,56
